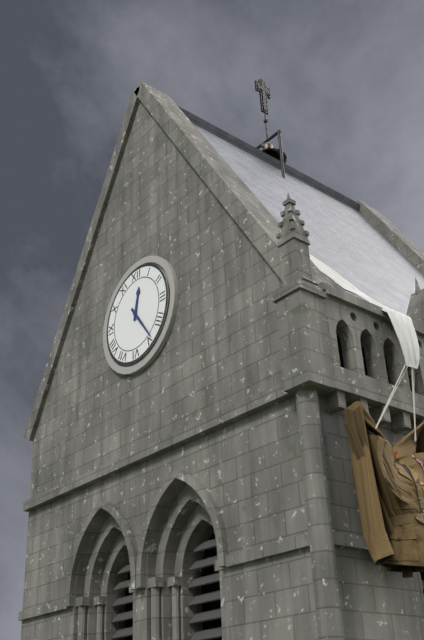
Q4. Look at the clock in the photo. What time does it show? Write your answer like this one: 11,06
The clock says 12,24
